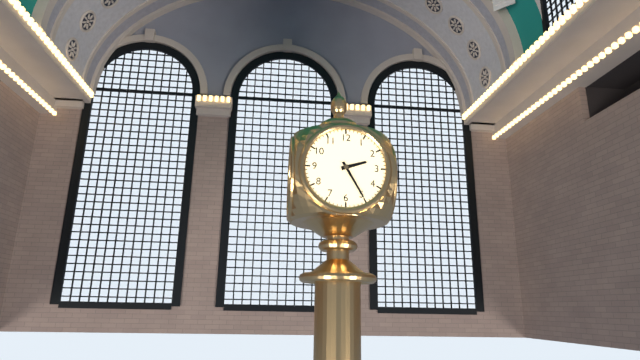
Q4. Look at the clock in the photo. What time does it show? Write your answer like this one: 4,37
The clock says 2,25
